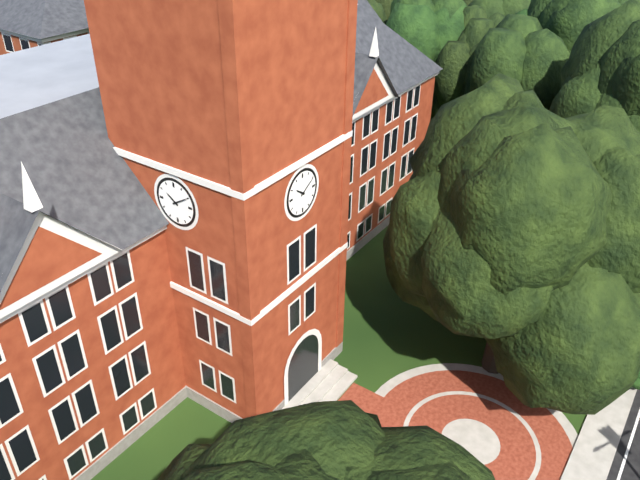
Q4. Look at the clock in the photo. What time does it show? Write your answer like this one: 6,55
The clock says 10,10
